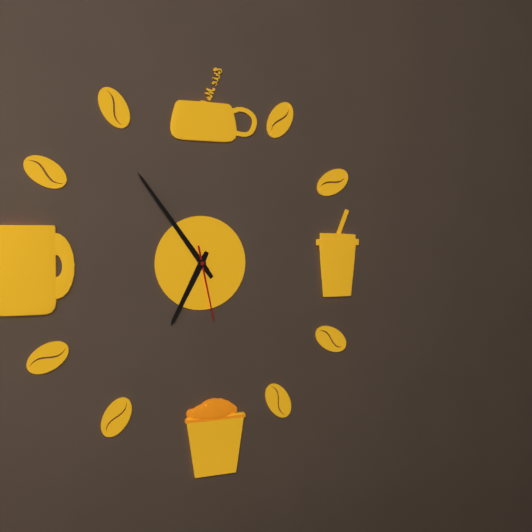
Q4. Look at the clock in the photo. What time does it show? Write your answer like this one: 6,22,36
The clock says 6,54,28
